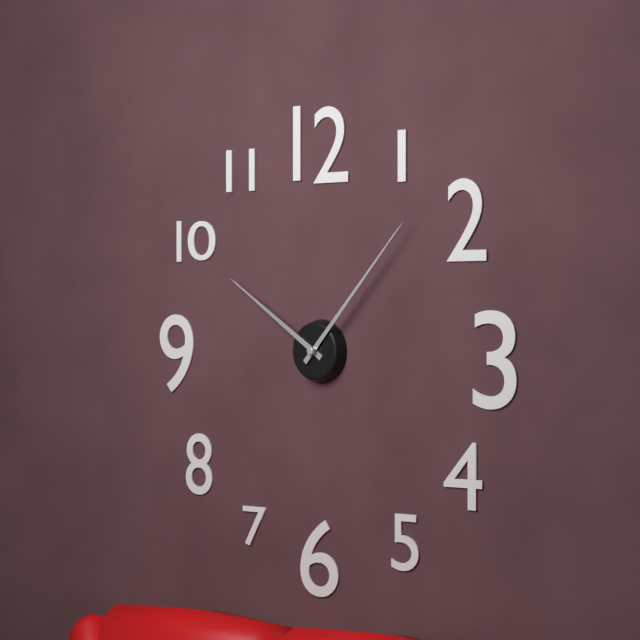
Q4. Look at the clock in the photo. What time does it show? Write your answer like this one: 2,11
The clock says 10,07
